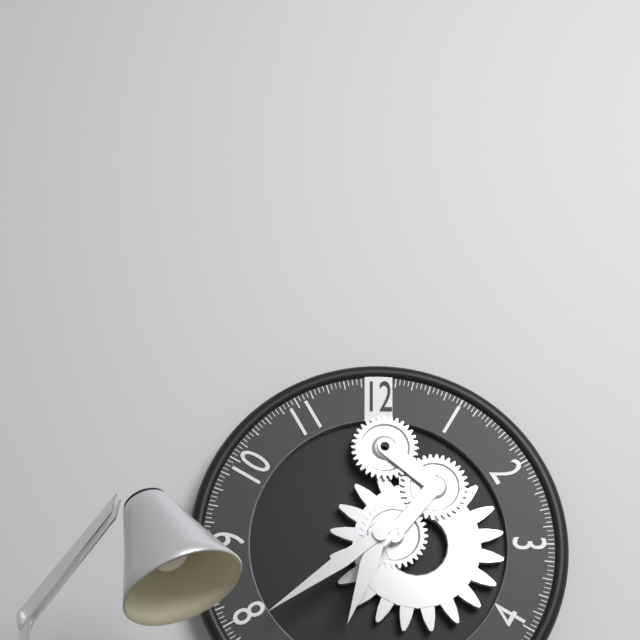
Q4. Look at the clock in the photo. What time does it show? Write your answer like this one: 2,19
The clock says 6,39
